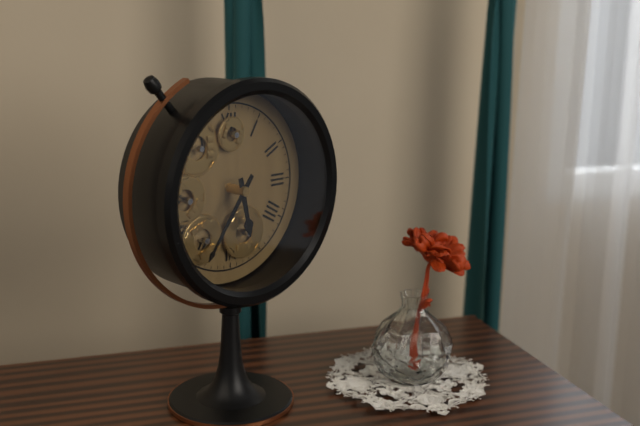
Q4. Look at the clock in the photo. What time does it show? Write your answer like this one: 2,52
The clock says 5,36
